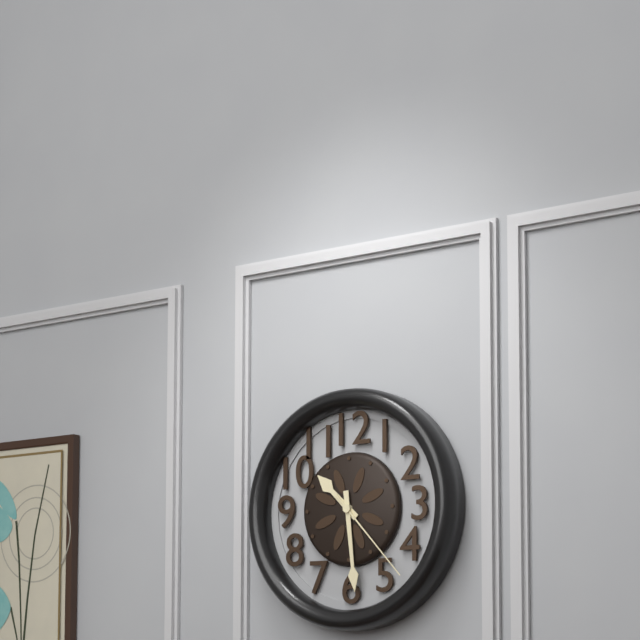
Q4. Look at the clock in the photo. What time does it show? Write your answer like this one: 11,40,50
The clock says 10,29,23
